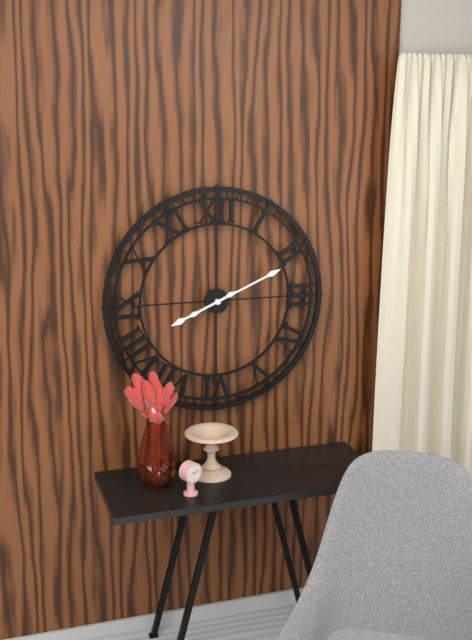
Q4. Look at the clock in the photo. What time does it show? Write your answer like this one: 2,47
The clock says 8,11
